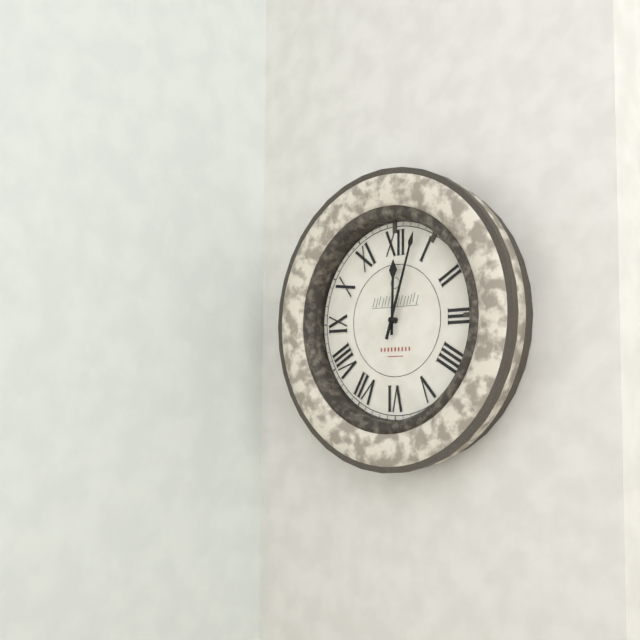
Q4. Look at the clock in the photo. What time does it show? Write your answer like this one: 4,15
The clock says 12,03
